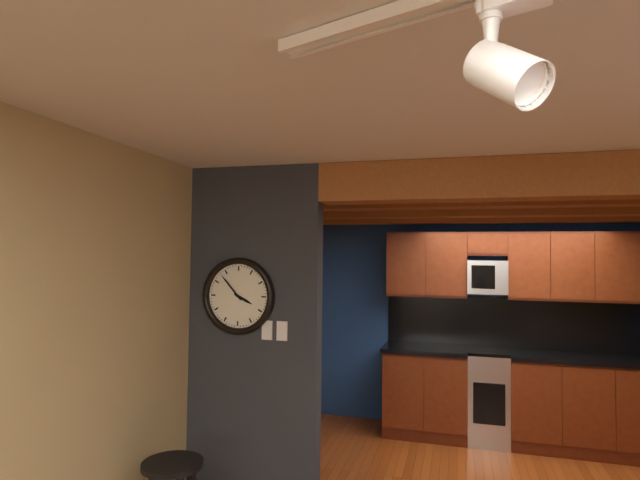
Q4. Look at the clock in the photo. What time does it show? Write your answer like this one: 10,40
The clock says 3,53
